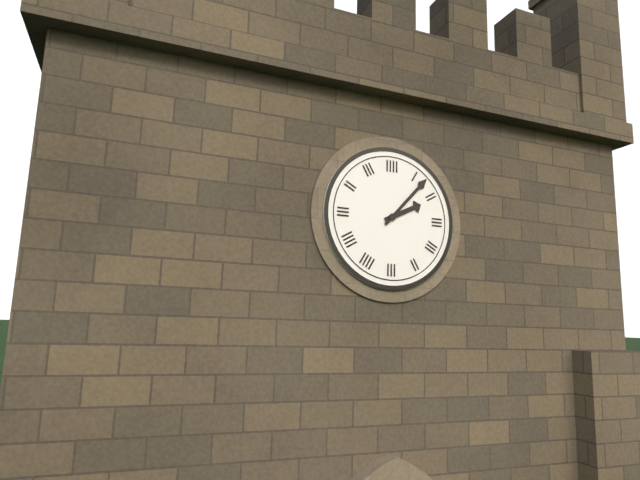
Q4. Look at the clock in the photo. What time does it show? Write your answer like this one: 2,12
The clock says 2,07
